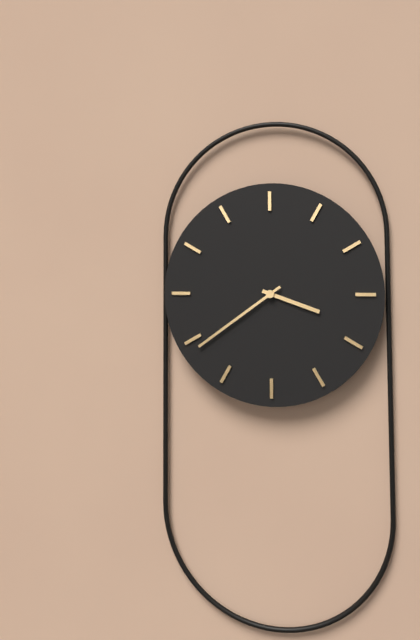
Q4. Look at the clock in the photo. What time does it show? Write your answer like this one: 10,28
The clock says 3,39
